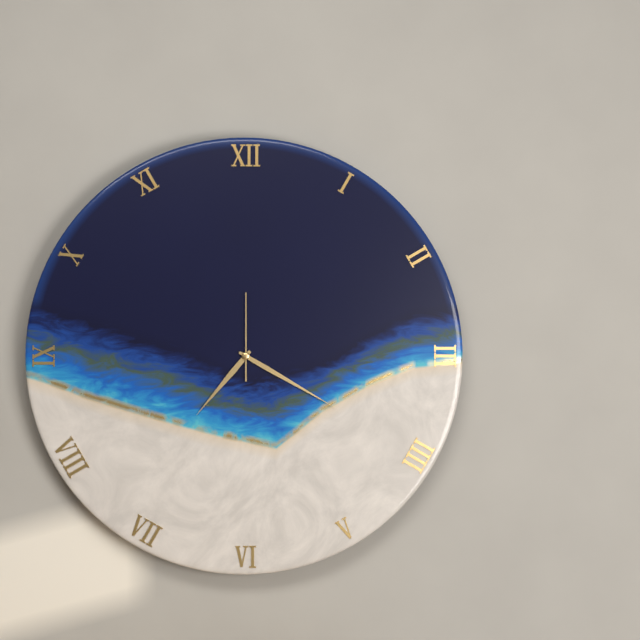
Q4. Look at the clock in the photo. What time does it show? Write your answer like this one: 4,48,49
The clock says 7,20,00
